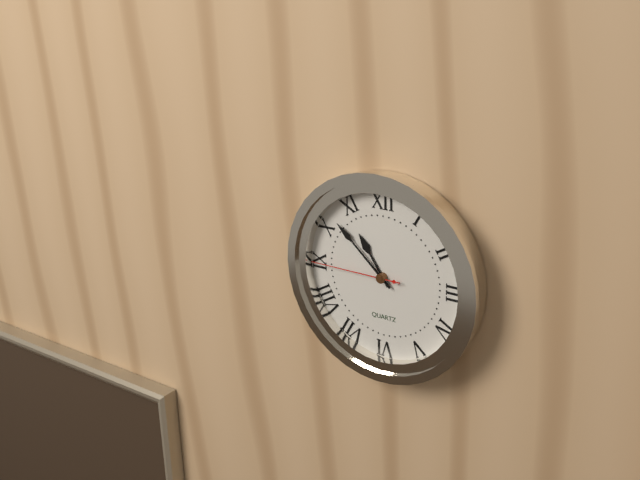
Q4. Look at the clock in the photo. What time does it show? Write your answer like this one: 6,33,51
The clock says 10,52,45
